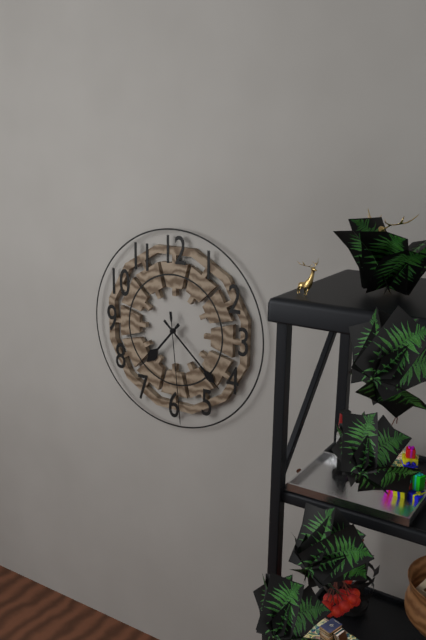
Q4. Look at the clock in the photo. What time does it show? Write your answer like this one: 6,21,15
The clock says 7,22,29
